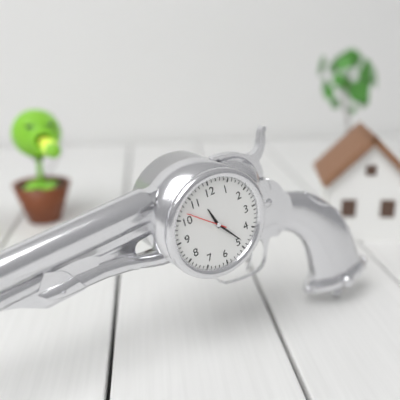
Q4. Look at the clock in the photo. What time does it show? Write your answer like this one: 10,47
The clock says 11,24
